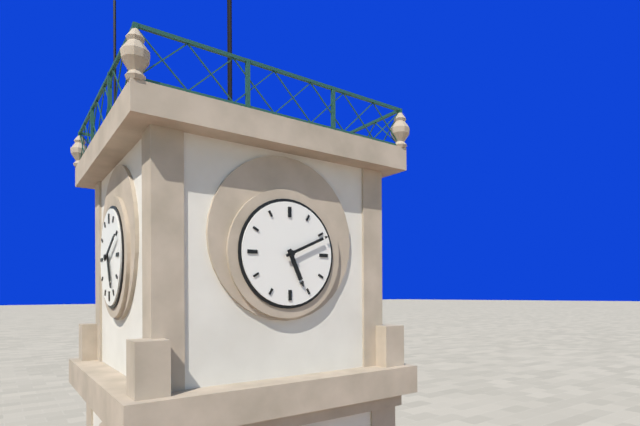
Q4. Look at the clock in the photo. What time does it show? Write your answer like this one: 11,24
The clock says 5,11
